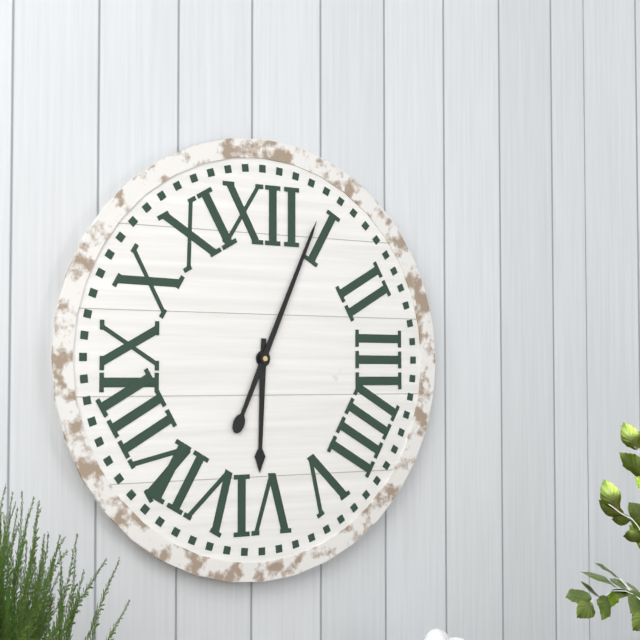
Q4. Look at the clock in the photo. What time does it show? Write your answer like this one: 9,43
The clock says 6,04
